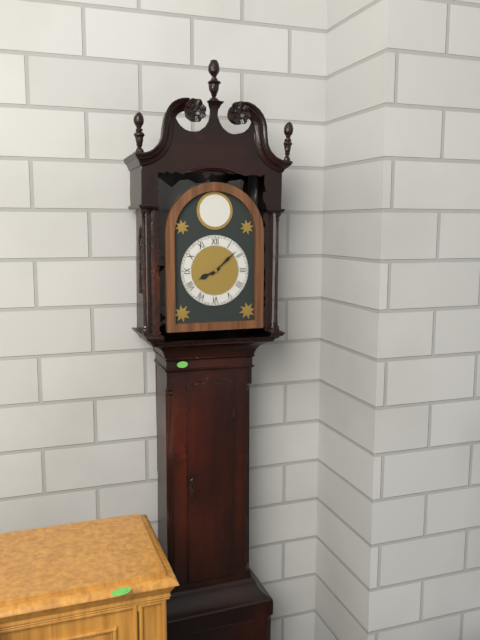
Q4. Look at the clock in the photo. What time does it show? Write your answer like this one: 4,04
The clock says 8,08
